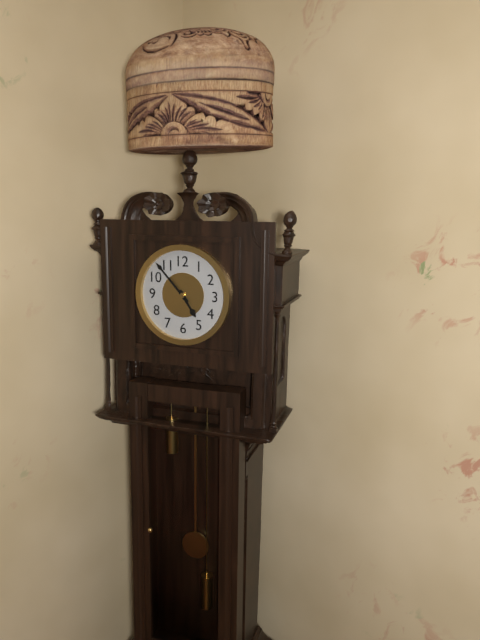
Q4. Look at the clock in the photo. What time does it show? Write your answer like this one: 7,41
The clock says 4,53
